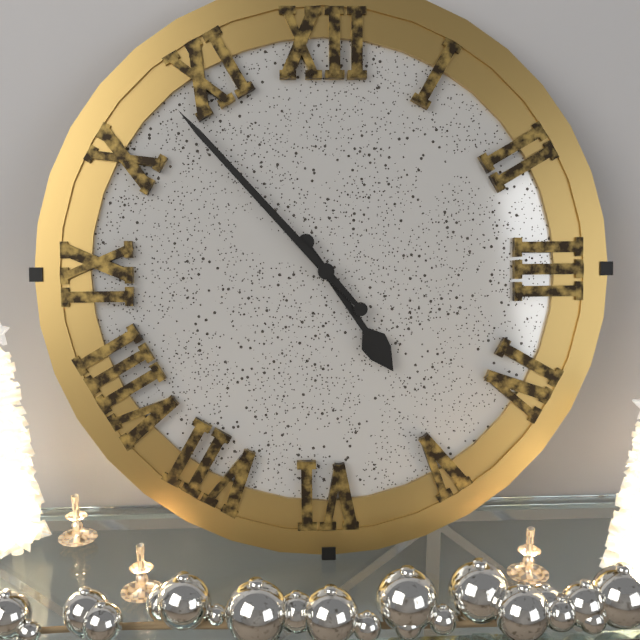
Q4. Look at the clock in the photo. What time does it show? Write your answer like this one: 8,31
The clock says 4,53
